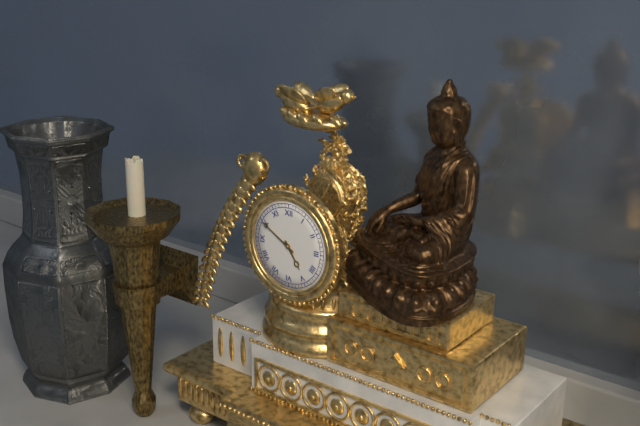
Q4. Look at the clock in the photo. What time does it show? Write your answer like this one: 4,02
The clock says 4,50
